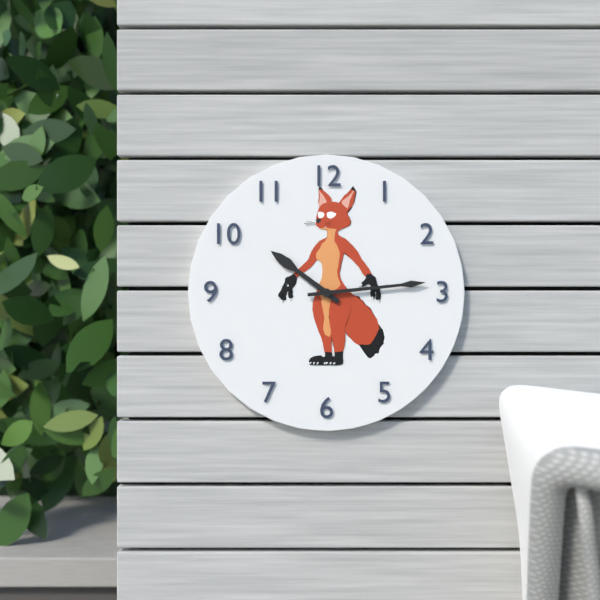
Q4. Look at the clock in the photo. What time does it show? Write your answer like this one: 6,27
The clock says 10,14
